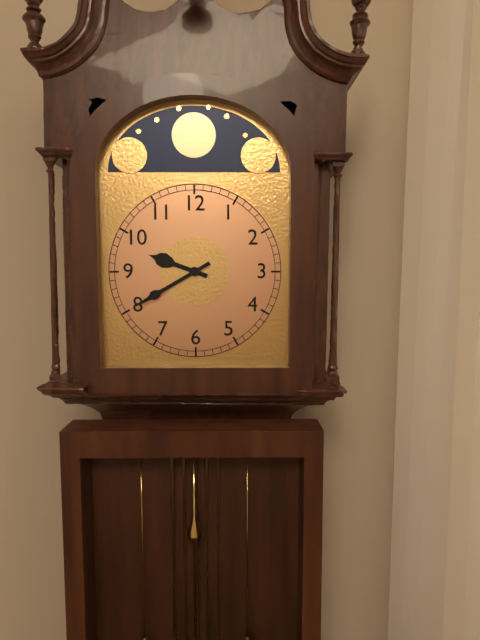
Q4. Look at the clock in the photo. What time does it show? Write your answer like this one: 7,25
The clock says 9,40
